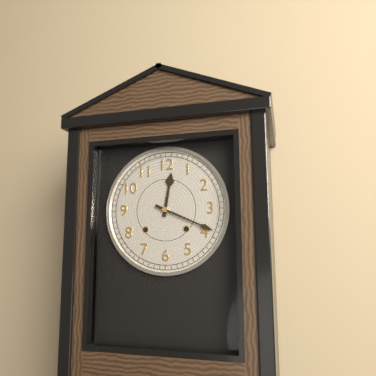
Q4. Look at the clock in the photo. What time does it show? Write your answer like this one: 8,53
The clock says 12,19
